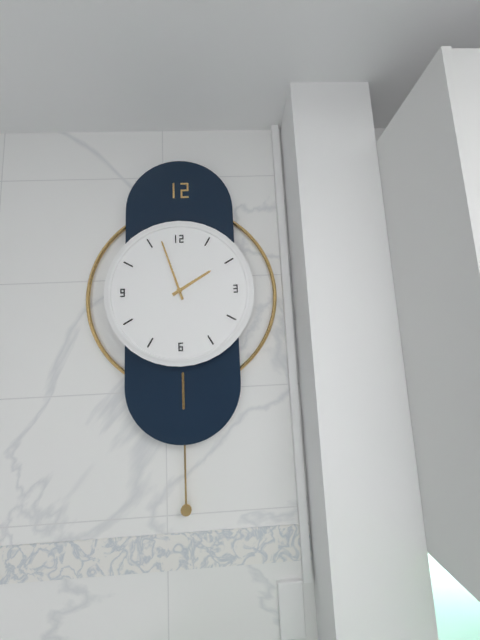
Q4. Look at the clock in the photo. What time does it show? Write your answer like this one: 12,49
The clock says 1,57
